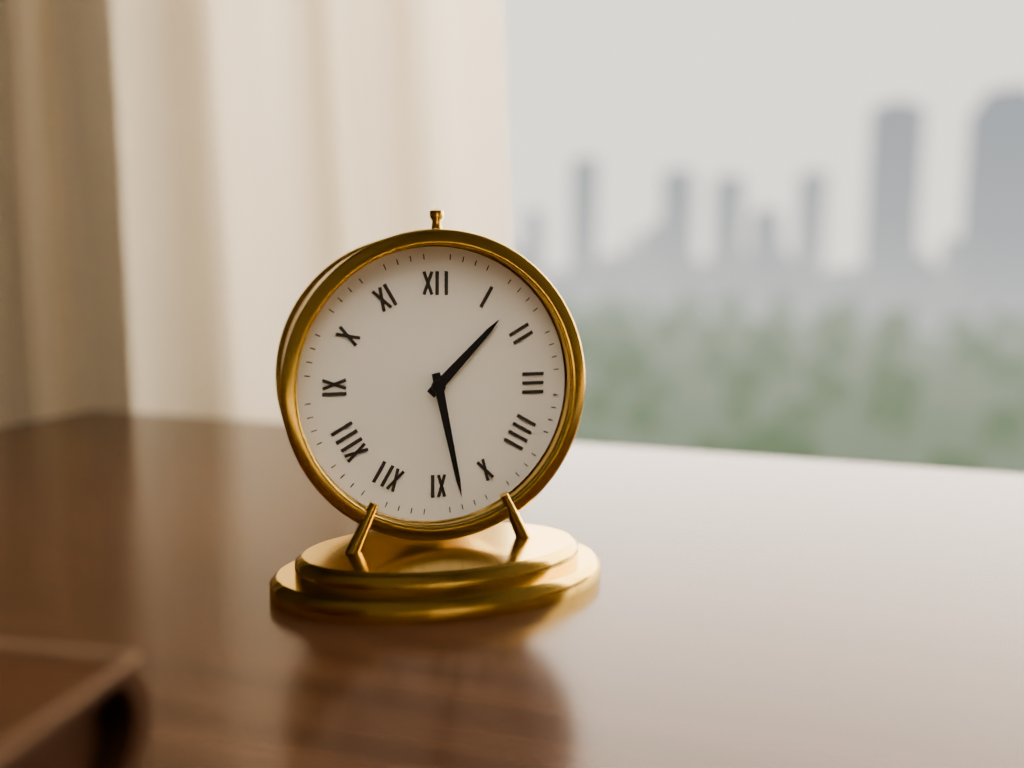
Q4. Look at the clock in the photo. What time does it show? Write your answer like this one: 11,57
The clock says 1,28
